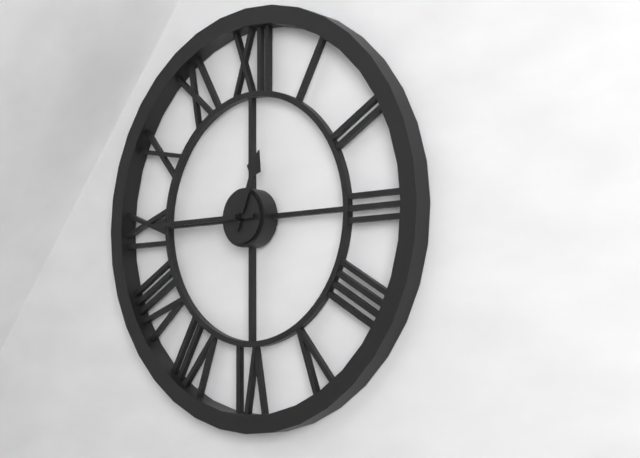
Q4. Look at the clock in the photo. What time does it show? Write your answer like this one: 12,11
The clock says 12,45
